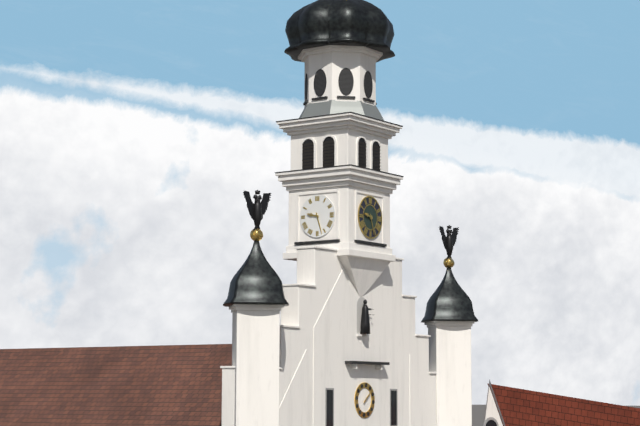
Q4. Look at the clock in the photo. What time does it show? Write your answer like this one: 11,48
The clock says 9,27
